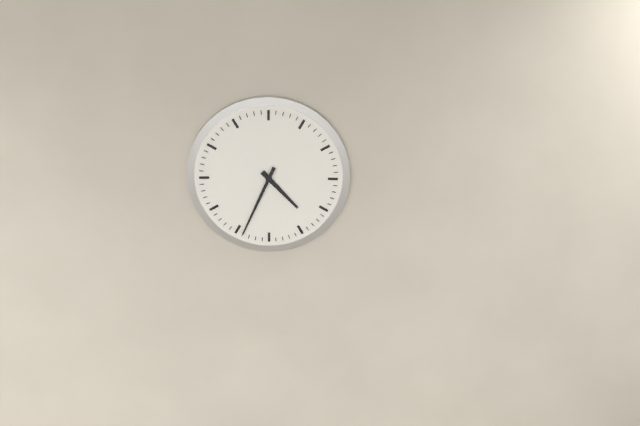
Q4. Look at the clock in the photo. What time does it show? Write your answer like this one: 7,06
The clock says 4,34
